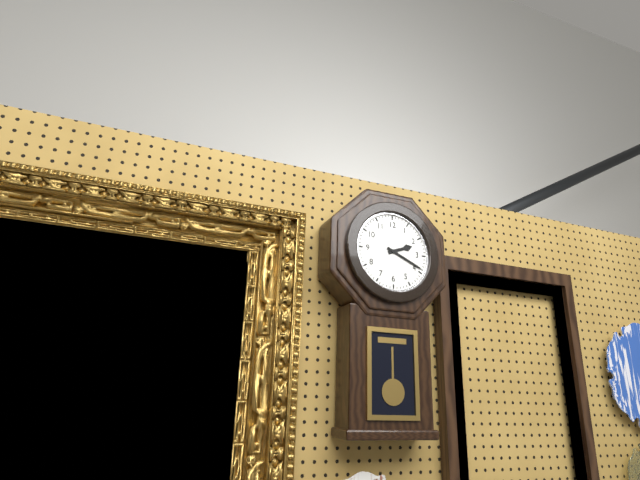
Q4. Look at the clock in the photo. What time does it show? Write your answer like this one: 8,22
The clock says 2,19
